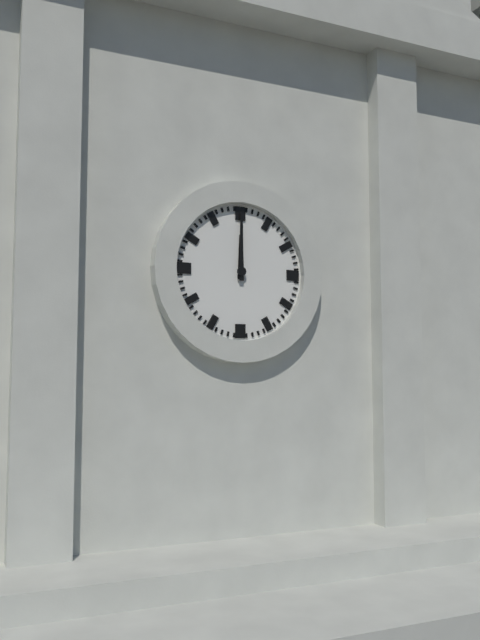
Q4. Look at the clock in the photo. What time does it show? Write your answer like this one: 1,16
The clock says 12,00
